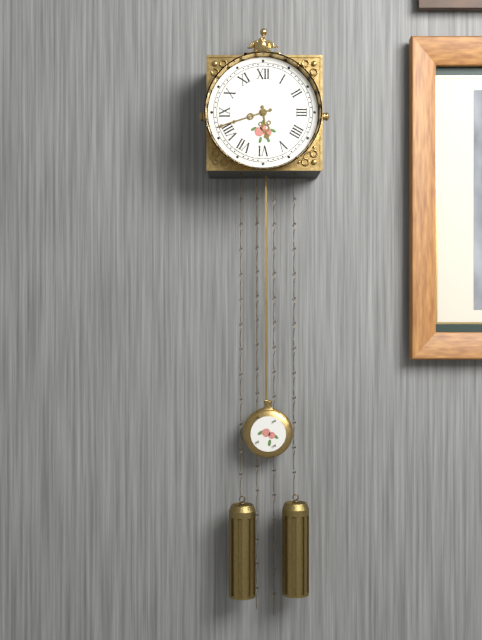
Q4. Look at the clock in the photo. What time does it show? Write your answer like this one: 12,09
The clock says 5,42
